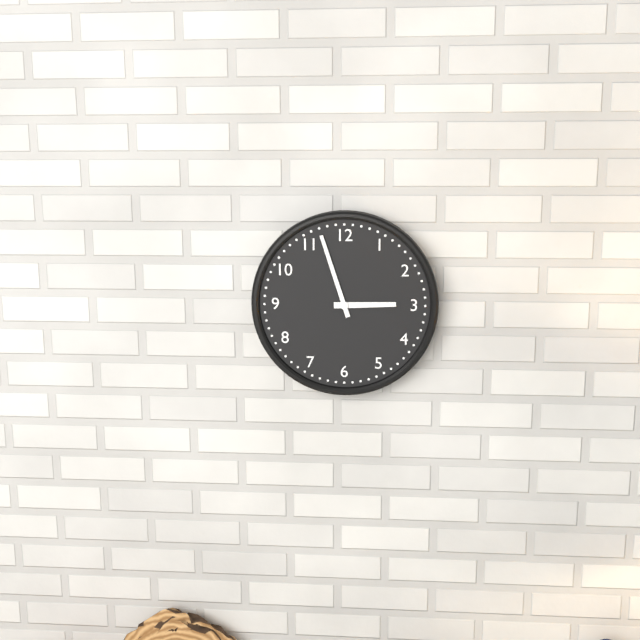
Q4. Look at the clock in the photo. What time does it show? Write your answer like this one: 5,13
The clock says 2,57
